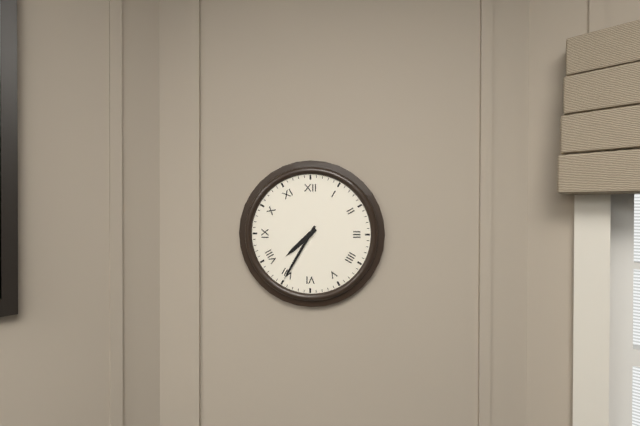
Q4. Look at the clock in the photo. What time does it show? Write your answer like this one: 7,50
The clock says 7,35
